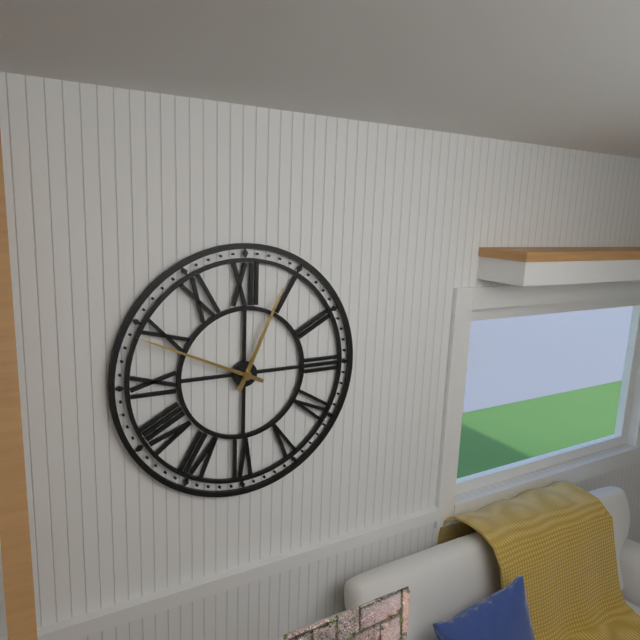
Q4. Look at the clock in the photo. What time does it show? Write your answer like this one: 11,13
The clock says 12,49
